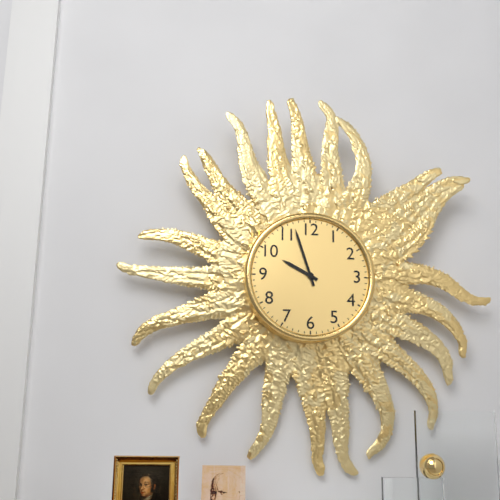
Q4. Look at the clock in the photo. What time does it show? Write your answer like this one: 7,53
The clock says 9,57
